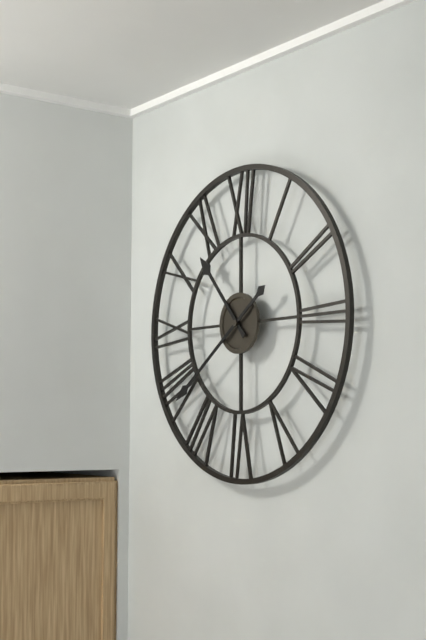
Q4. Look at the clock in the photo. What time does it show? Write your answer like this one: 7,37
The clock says 10,39
